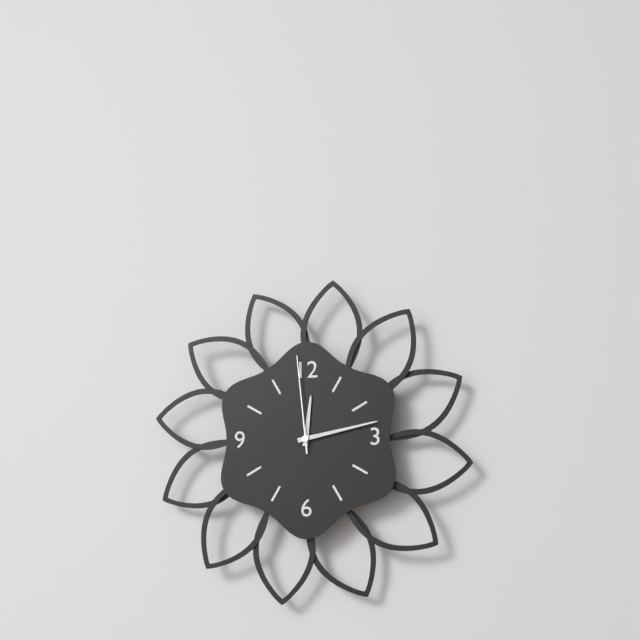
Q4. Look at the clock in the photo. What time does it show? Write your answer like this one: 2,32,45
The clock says 12,13,59
